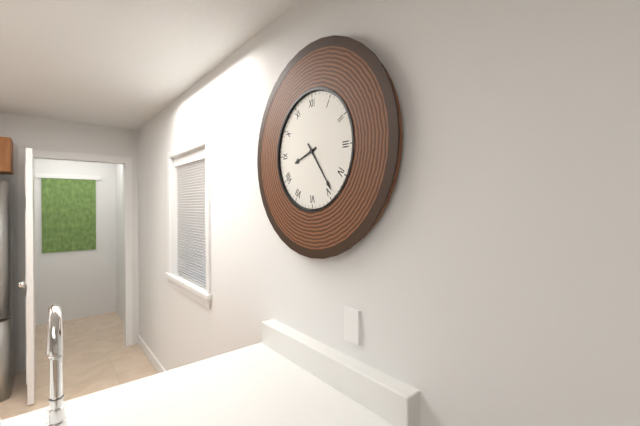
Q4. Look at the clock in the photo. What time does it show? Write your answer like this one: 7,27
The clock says 8,24
